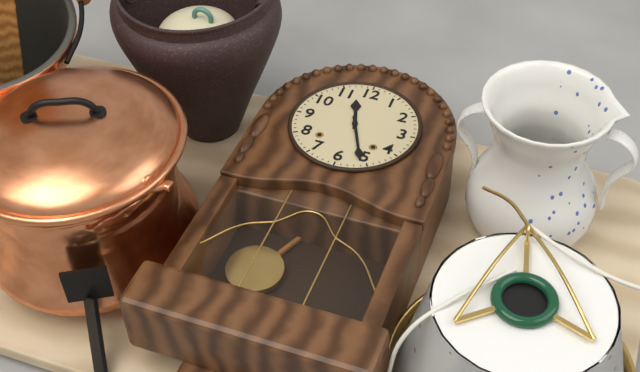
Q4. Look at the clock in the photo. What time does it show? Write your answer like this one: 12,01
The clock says 11,26
